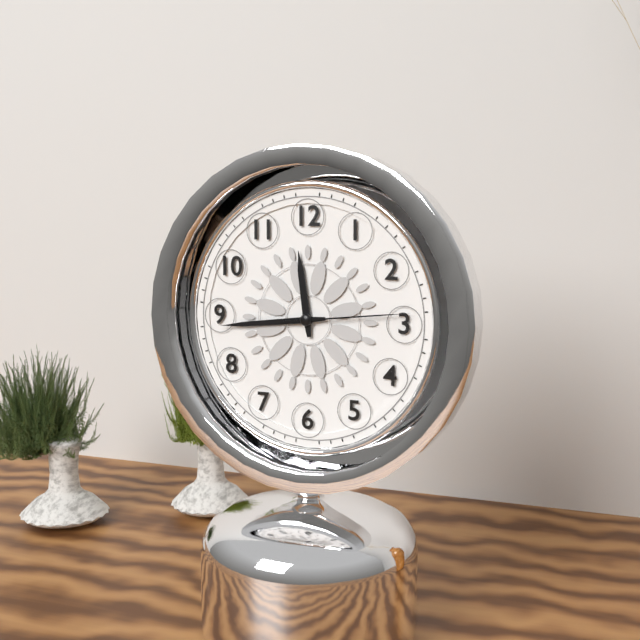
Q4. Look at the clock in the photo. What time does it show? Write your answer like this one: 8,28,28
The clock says 11,44,14
